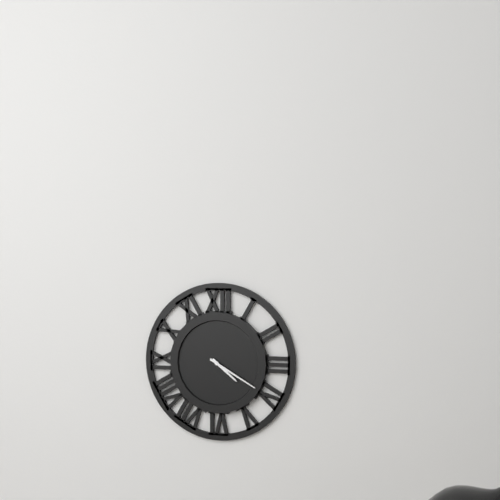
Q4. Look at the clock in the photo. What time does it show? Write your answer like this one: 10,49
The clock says 4,20
